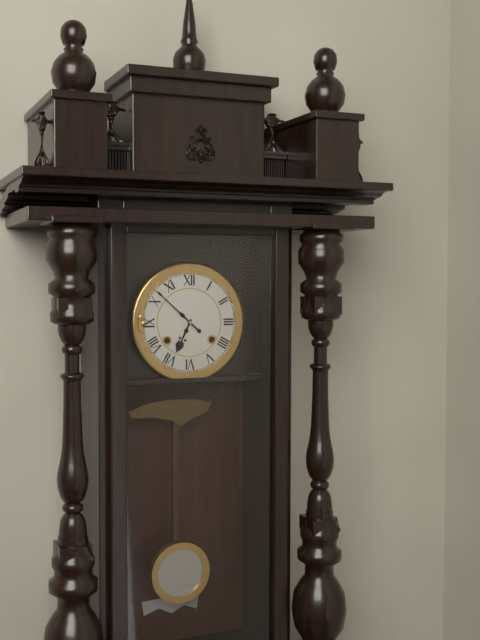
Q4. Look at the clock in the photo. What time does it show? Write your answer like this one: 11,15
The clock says 6,52
